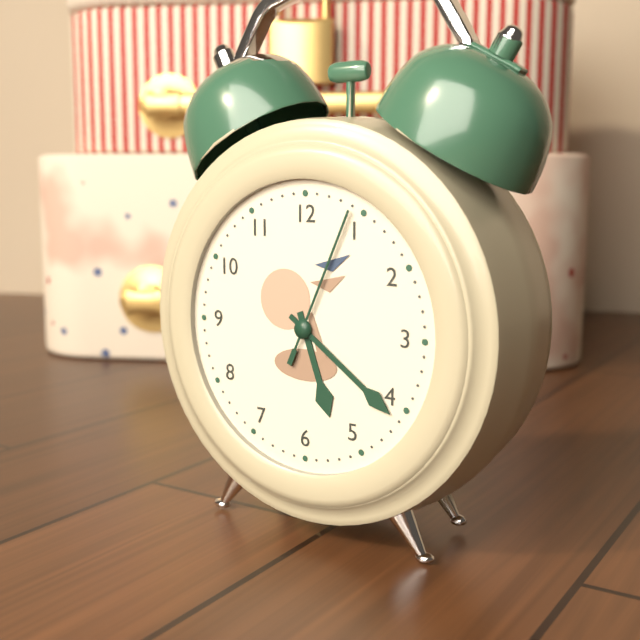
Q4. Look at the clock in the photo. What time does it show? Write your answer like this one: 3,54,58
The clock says 5,21,04
